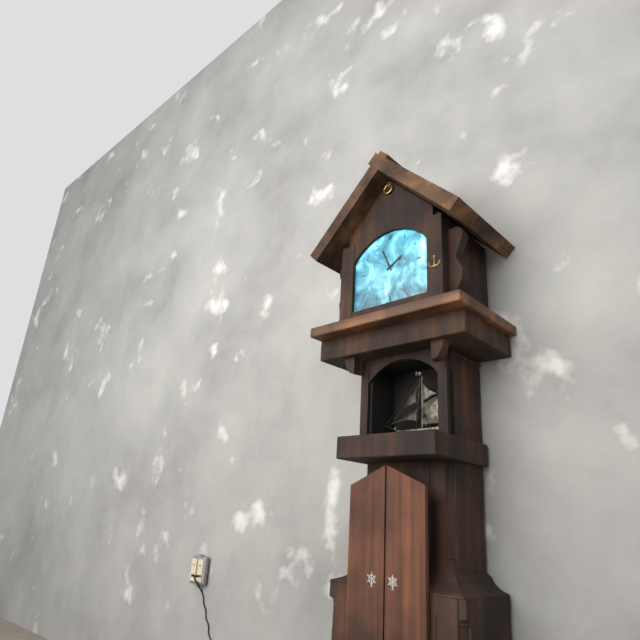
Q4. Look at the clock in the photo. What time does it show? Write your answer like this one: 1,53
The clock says 1,56
